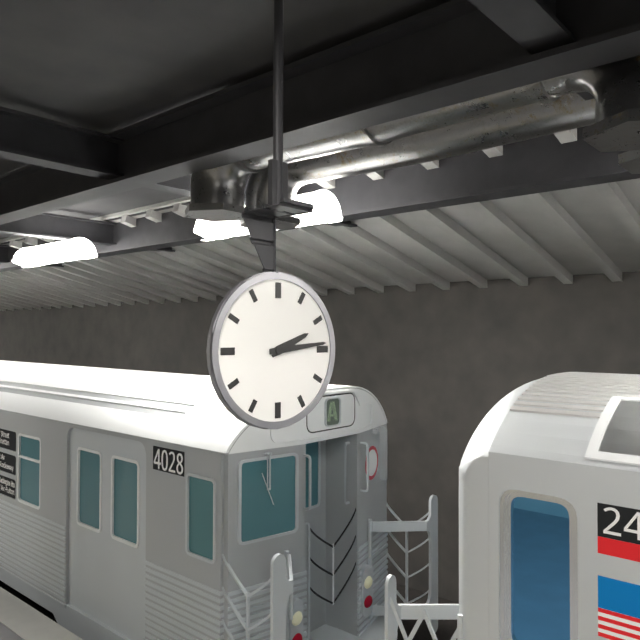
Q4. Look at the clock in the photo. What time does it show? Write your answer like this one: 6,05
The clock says 2,14
